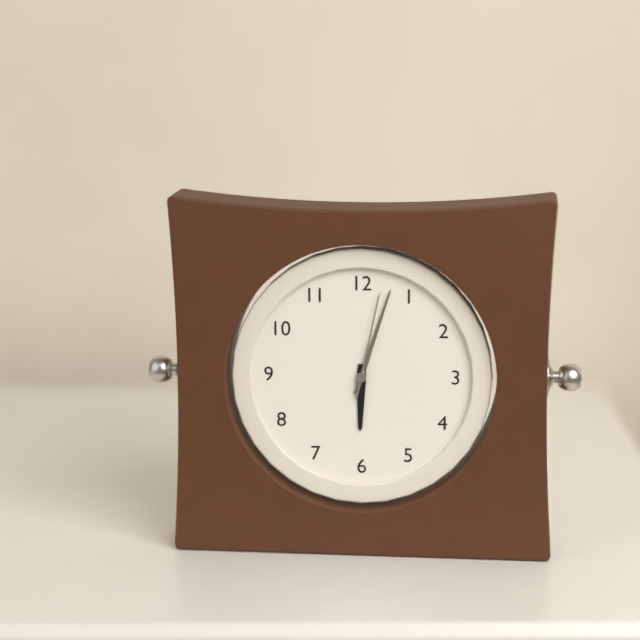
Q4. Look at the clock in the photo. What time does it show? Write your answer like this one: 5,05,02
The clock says 6,03,02
